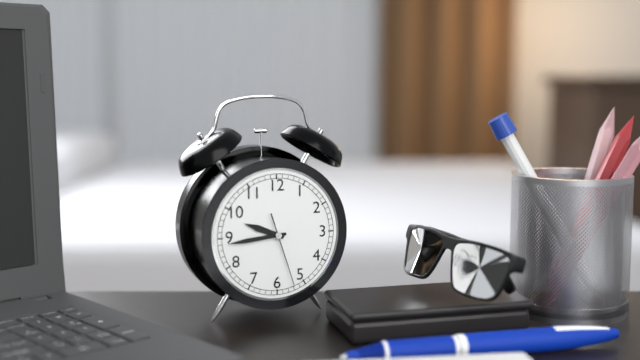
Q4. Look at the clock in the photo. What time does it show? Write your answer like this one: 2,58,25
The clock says 9,44,27
